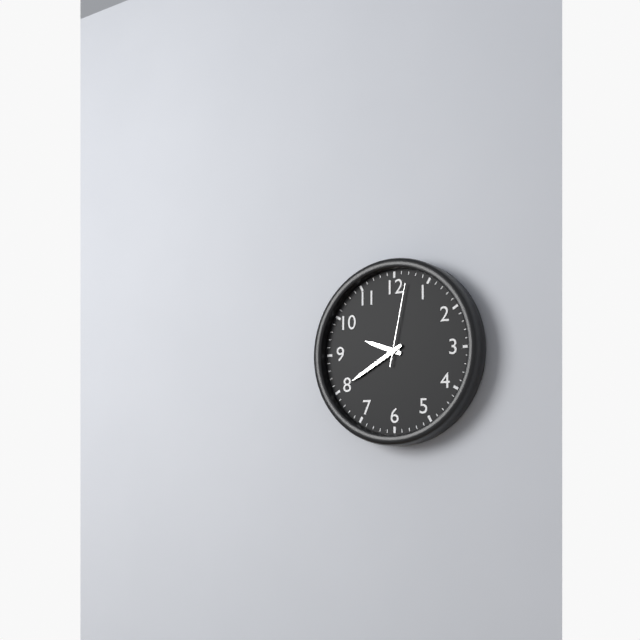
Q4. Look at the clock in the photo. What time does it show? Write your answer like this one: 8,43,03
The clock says 9,40,02
